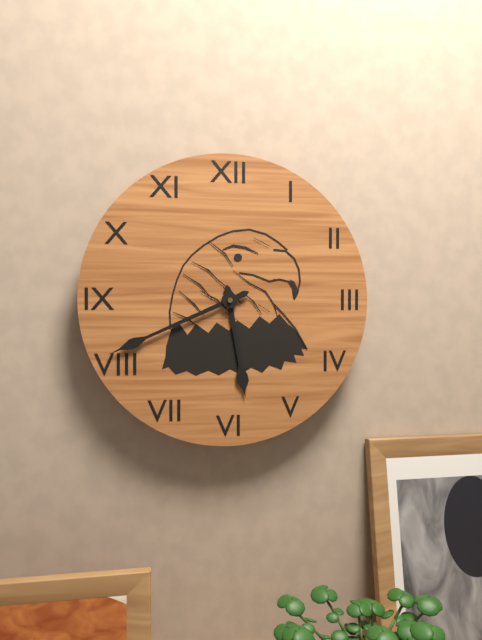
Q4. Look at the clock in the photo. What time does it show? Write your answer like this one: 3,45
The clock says 5,41
